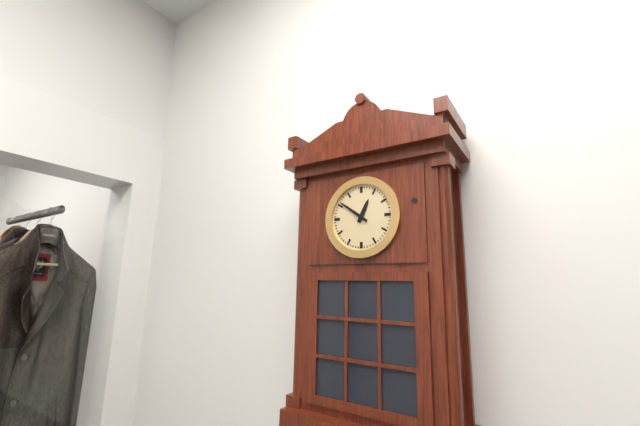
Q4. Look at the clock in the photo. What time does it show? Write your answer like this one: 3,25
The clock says 12,51
